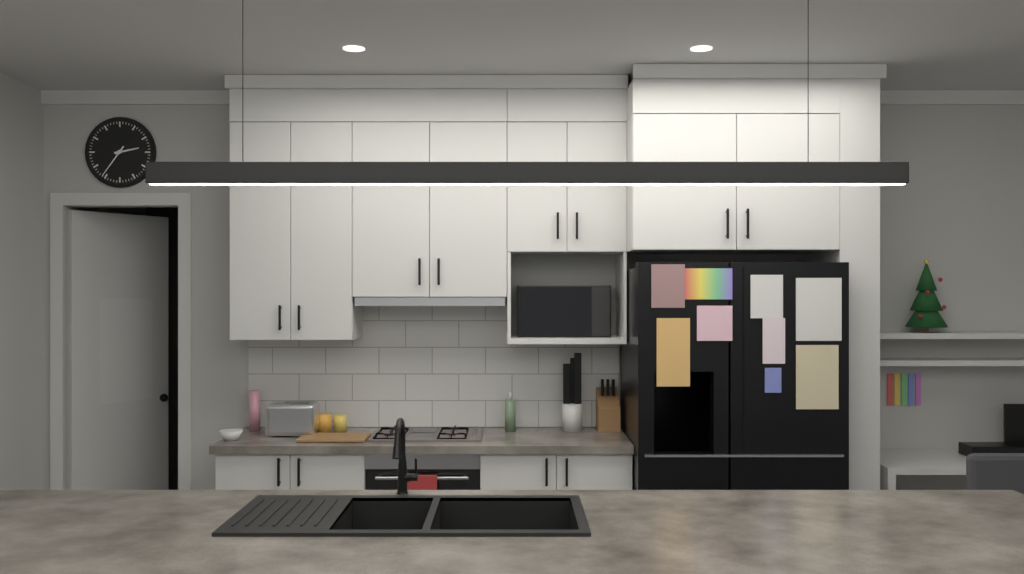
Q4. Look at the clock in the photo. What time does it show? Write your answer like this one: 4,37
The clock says 2,36
